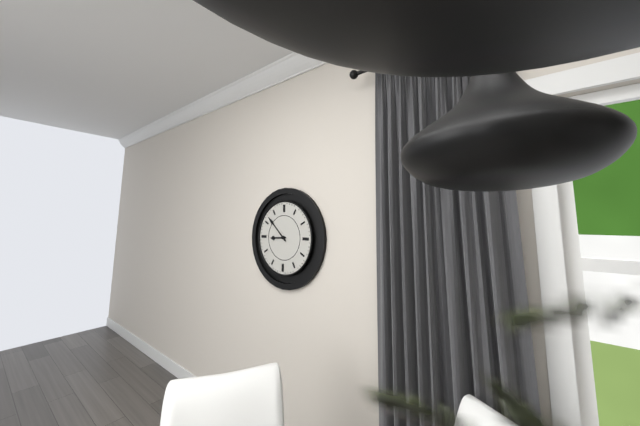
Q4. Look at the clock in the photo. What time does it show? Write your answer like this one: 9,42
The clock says 8,52
